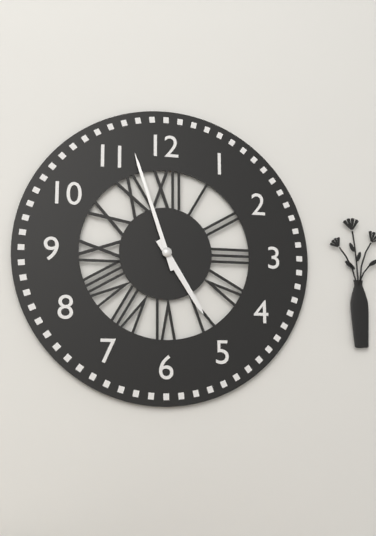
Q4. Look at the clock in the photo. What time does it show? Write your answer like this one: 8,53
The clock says 4,57
